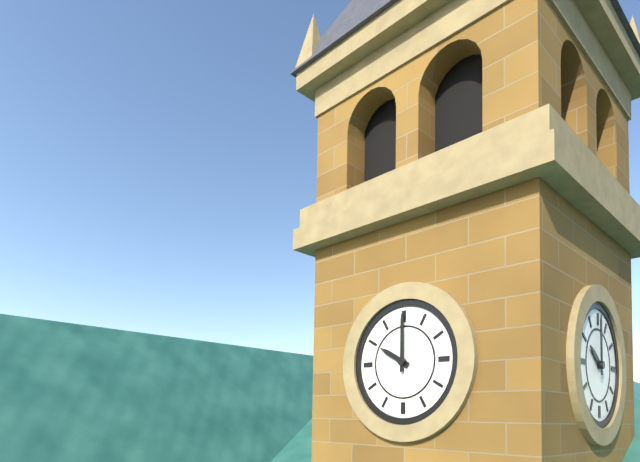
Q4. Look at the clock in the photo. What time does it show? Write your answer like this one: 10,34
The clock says 10,00
